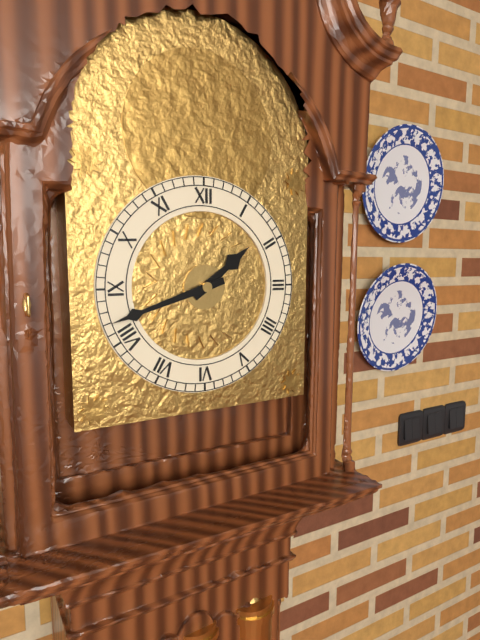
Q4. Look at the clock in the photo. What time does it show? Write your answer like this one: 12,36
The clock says 1,42
